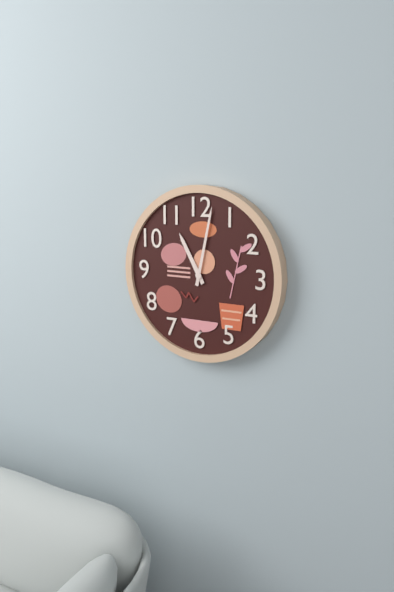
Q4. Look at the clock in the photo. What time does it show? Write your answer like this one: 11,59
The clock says 11,02
